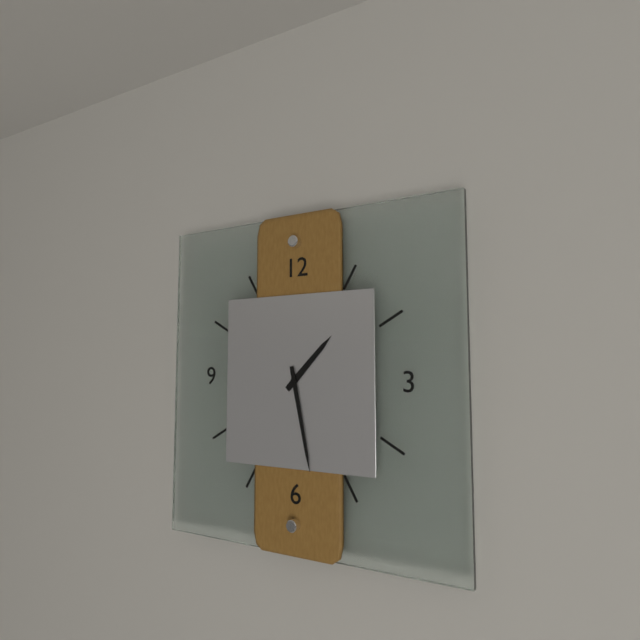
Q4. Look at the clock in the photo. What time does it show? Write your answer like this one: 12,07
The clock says 1,28
